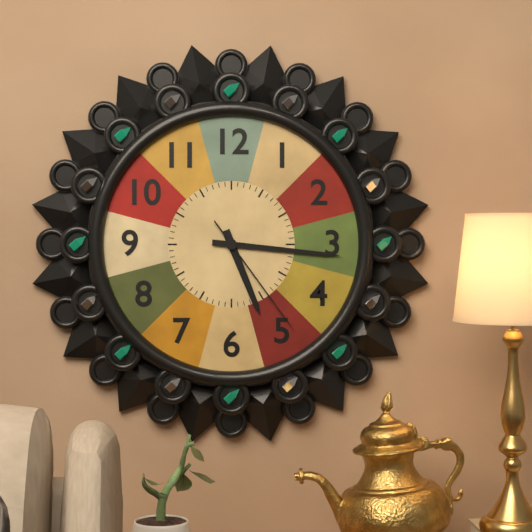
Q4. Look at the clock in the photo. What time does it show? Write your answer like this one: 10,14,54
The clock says 5,16,24
